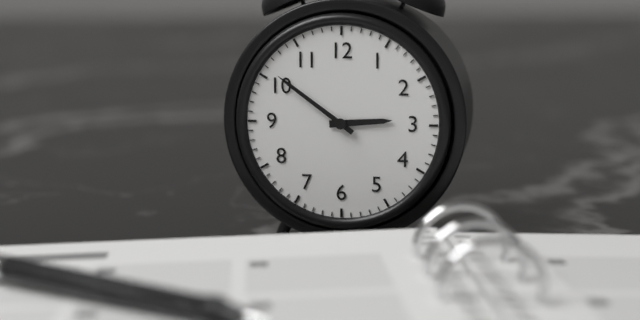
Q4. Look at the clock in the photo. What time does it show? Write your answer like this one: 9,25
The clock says 2,51
